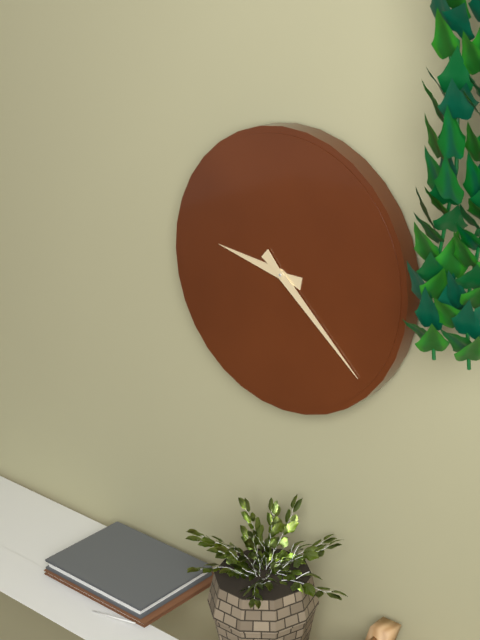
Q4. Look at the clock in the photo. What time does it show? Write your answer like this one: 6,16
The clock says 9,22
